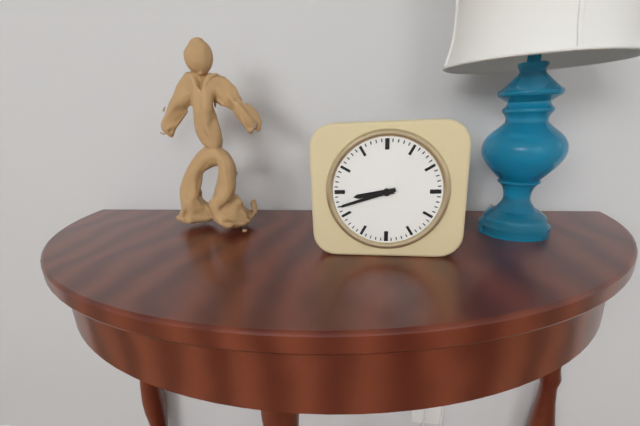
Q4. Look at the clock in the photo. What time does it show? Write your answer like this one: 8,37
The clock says 8,42
